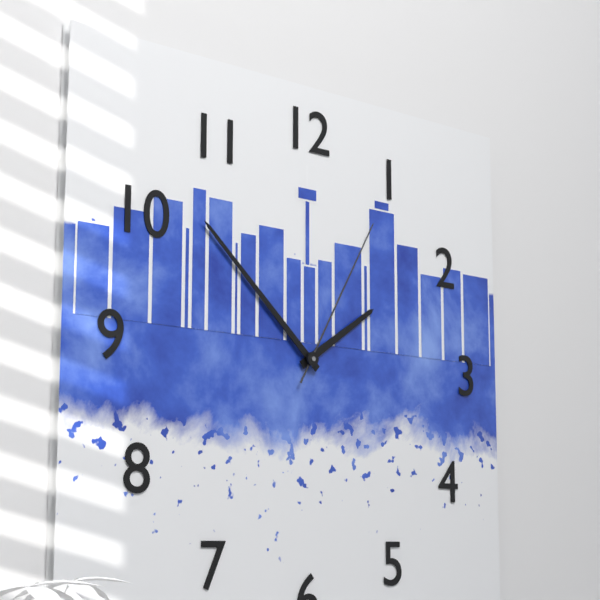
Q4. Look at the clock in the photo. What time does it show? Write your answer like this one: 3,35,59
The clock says 1,52,05
